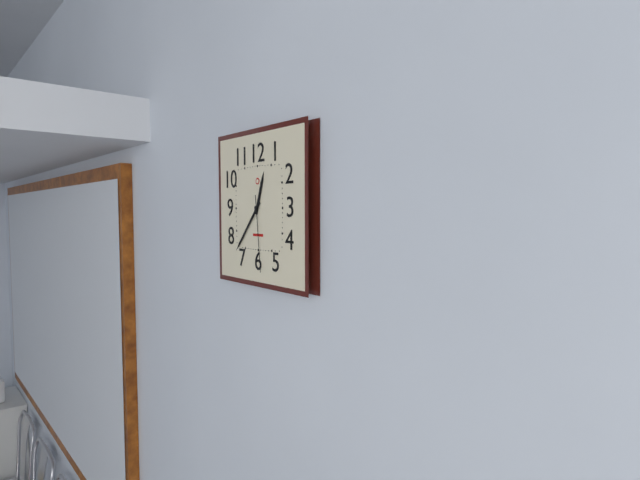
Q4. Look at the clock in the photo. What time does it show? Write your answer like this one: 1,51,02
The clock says 12,37,29
